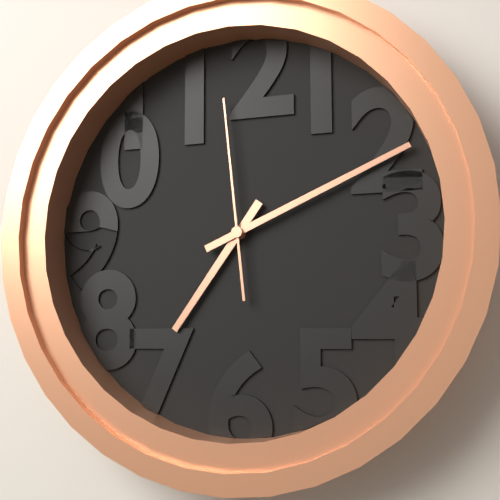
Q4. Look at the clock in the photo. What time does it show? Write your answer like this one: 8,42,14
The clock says 7,11,59
